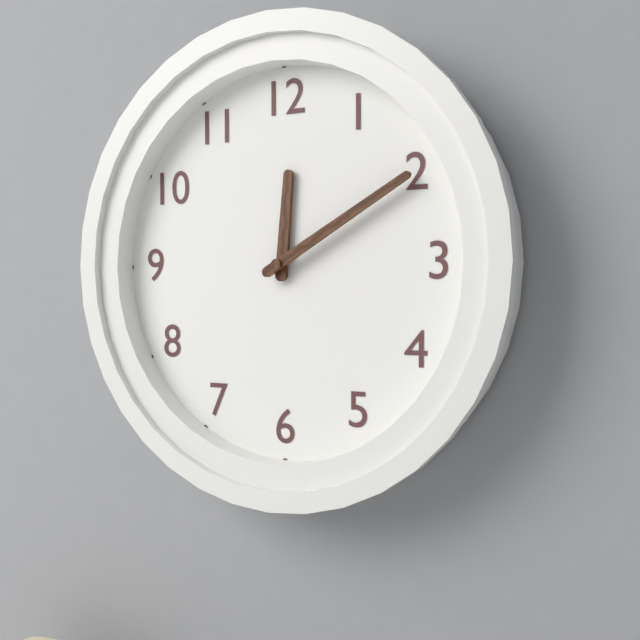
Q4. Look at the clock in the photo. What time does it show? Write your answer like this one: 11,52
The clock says 12,10
